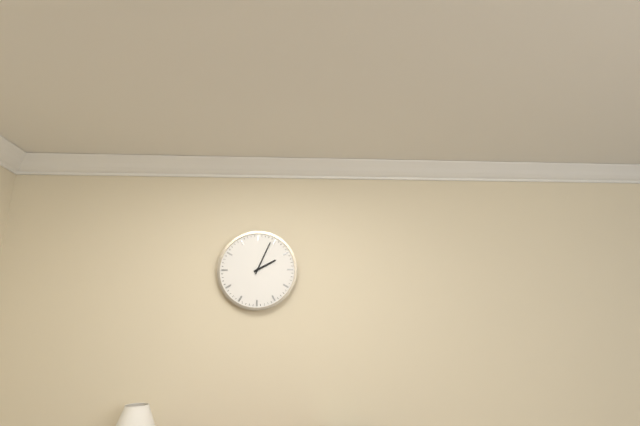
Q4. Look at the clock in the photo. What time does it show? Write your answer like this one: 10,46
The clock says 2,04
